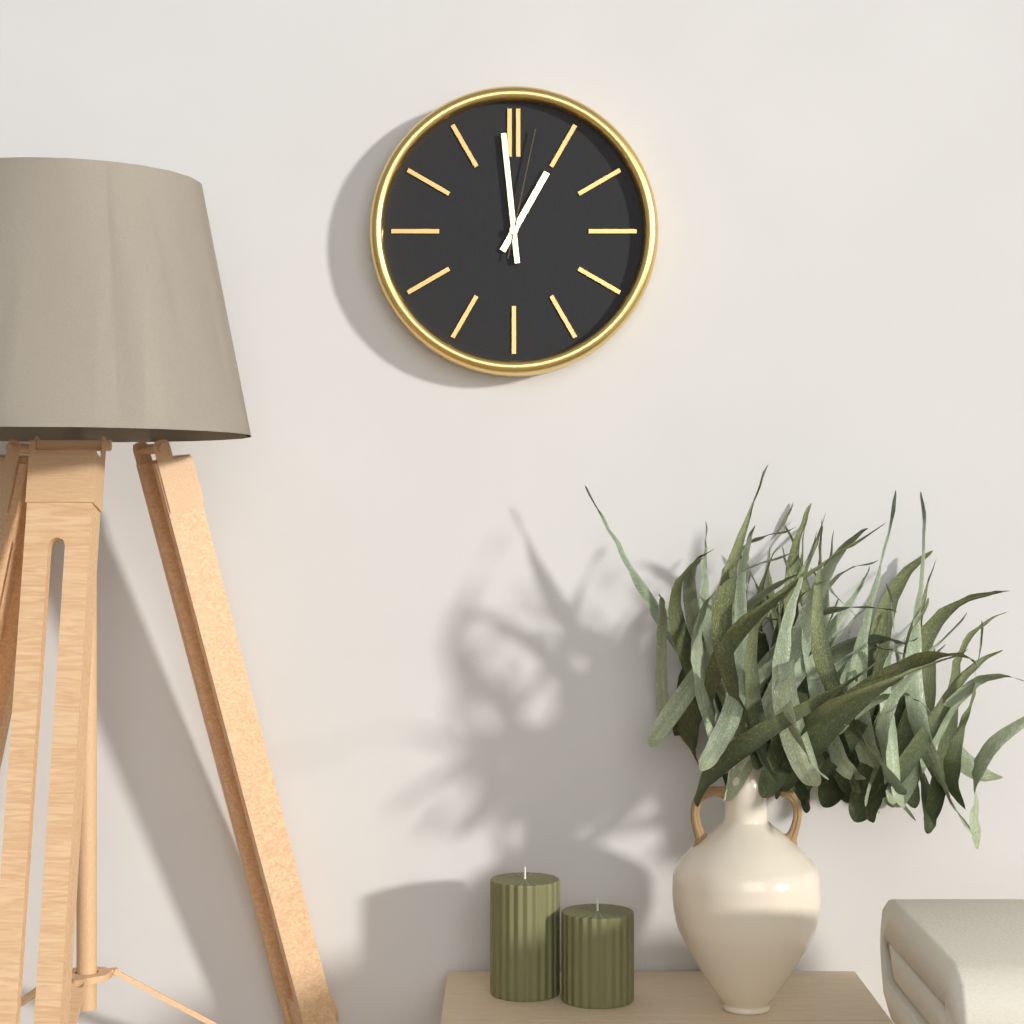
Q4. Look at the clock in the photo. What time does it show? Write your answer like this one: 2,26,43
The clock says 12,59,02
